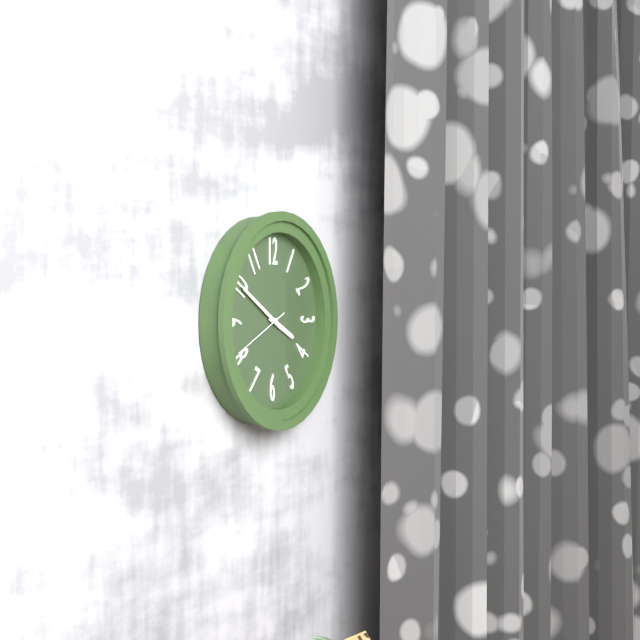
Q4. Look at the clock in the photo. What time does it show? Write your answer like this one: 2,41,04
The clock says 3,50,41
